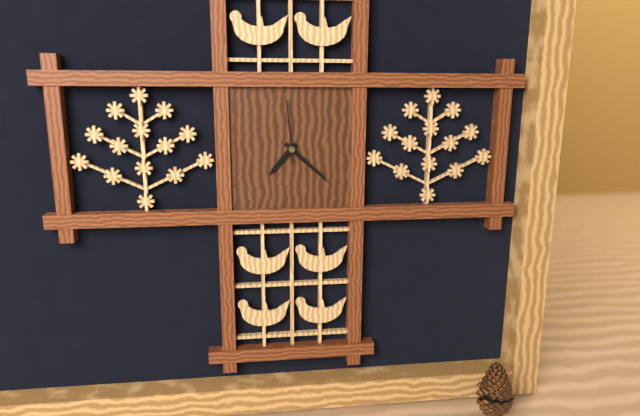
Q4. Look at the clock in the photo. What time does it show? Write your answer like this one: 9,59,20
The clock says 7,22,59
